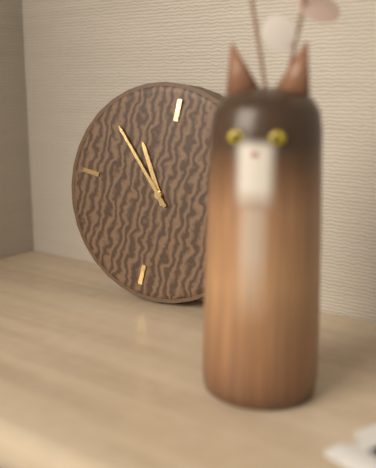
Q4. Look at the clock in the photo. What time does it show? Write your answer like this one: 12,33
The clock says 10,52
